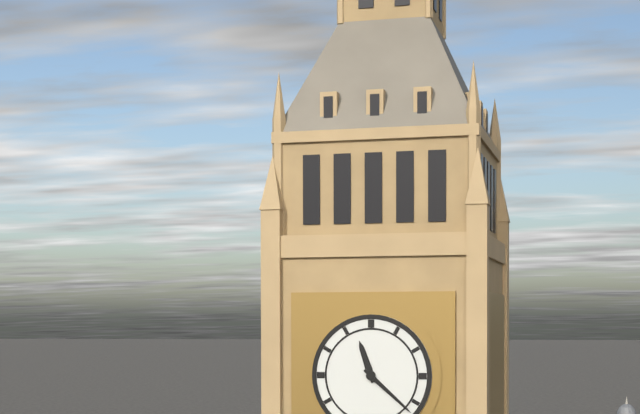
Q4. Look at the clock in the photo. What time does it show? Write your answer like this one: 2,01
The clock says 11,22
